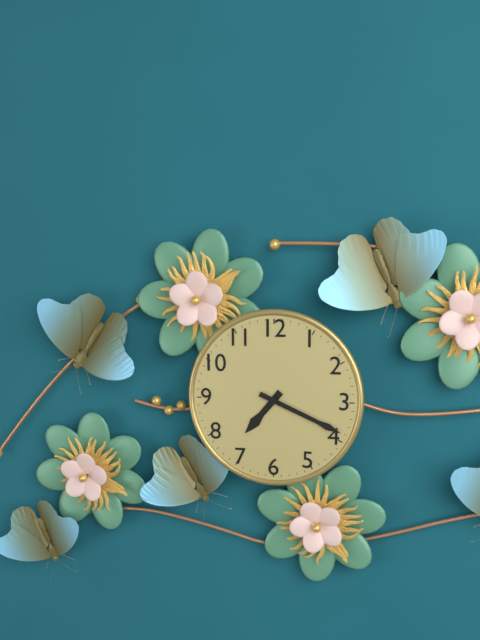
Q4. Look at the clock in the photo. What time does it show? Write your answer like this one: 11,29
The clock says 7,19
